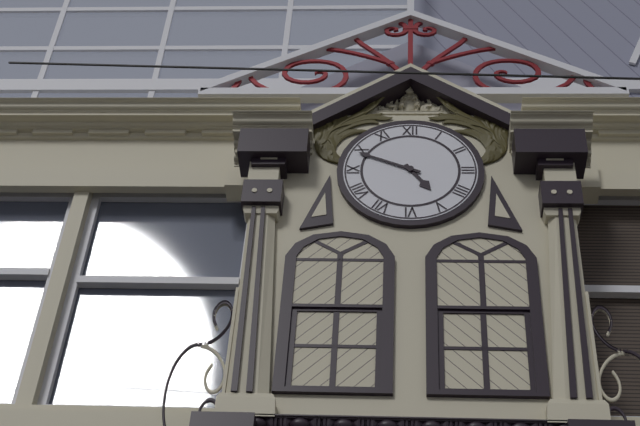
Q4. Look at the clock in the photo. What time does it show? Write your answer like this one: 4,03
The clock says 4,49
